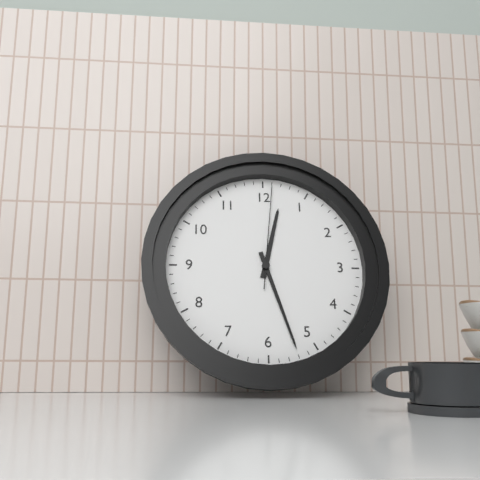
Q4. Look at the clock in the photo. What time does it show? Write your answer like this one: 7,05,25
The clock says 12,27,01
